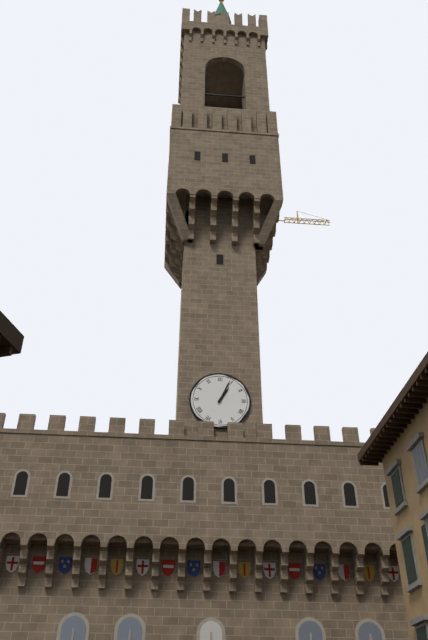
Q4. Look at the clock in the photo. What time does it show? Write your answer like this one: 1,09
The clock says 1,04
